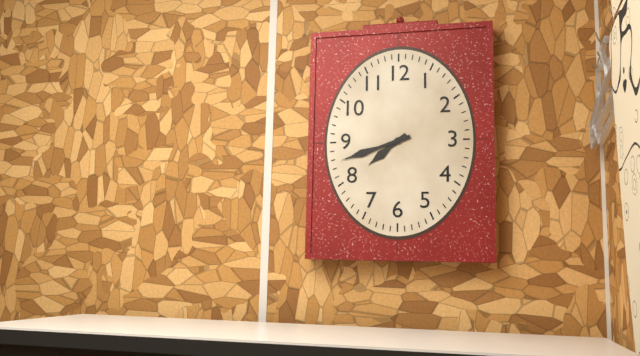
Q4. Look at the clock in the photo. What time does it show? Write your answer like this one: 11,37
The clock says 7,42
